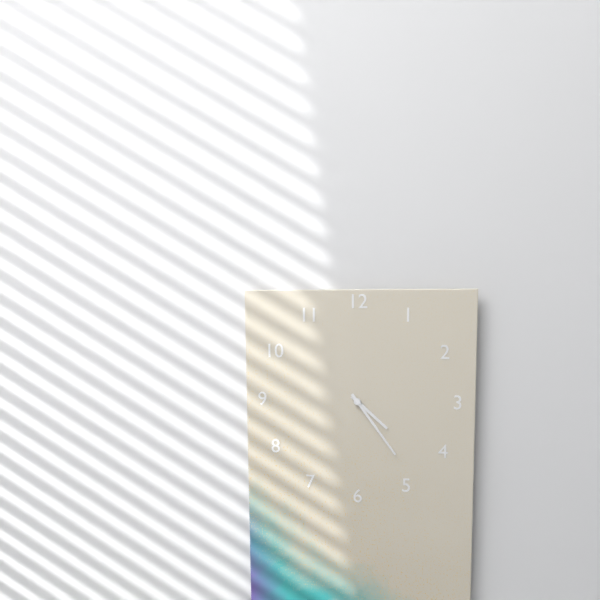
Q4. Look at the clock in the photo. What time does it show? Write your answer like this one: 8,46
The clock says 4,24
